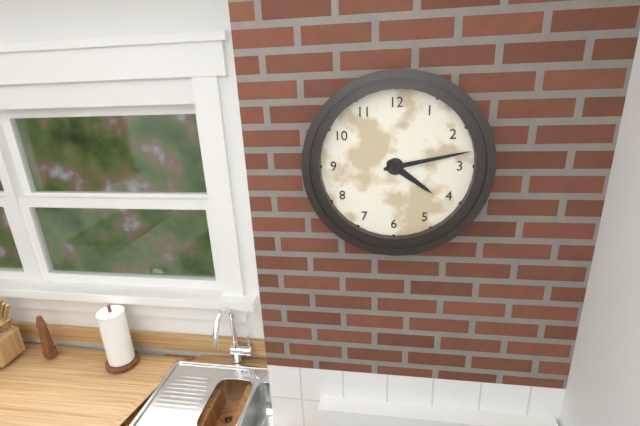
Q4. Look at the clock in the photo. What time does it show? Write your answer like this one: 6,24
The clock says 4,13
